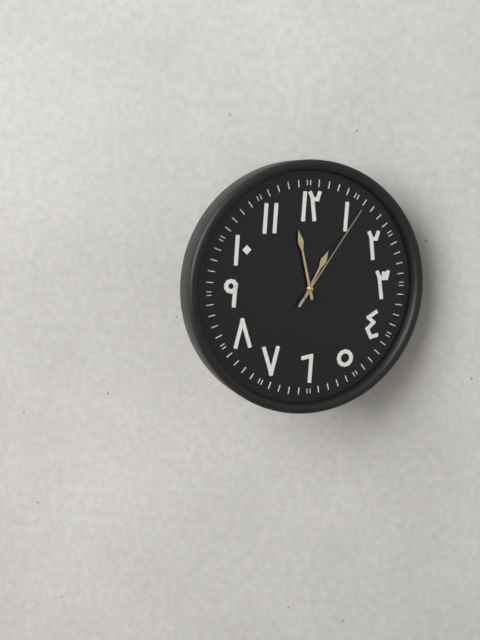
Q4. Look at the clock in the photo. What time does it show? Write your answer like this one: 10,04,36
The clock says 12,58,06
